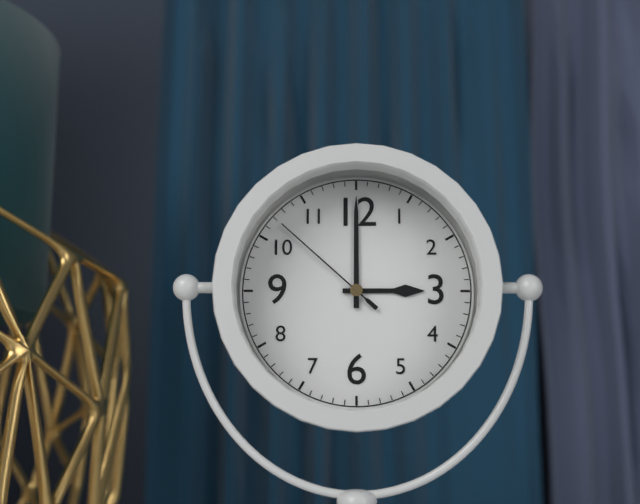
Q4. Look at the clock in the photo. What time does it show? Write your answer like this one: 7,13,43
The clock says 3,00,52
